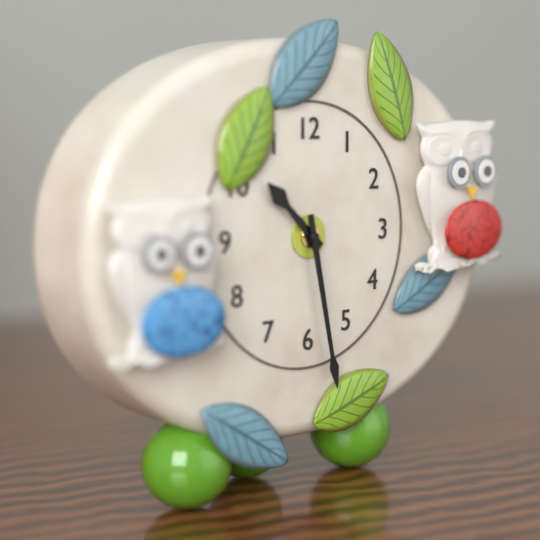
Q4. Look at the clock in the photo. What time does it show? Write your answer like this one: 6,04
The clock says 10,28
